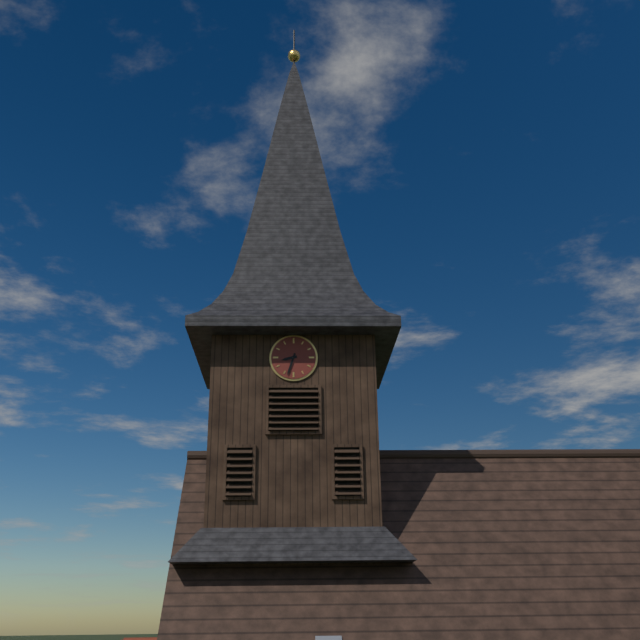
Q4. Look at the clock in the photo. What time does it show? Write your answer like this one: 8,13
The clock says 8,33
